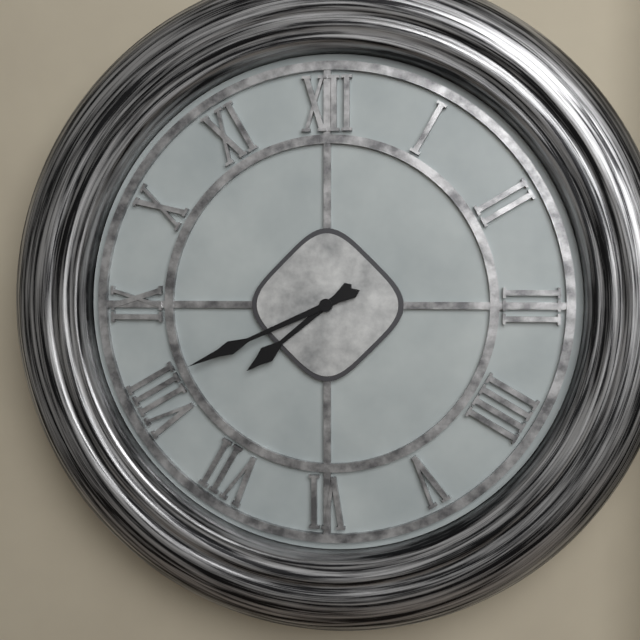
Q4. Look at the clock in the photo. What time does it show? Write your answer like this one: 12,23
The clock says 7,41
